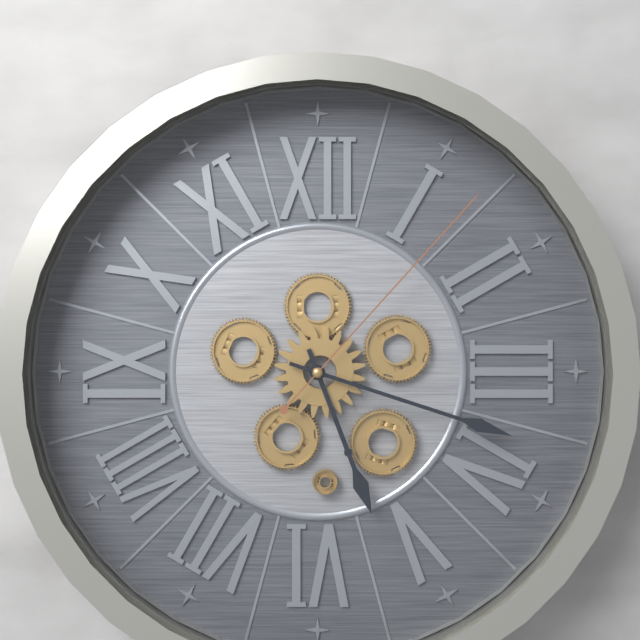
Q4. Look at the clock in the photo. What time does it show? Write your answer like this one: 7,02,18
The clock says 5,18,07
